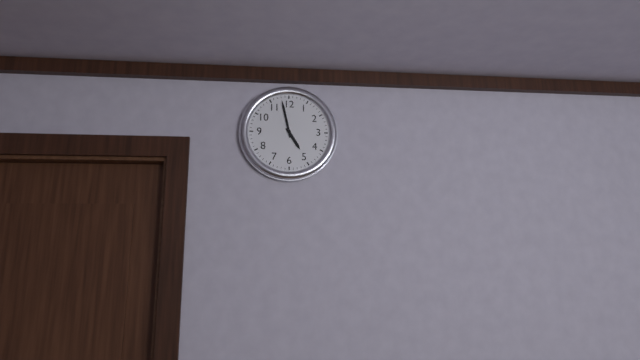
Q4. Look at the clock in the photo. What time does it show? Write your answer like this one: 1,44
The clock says 4,58
